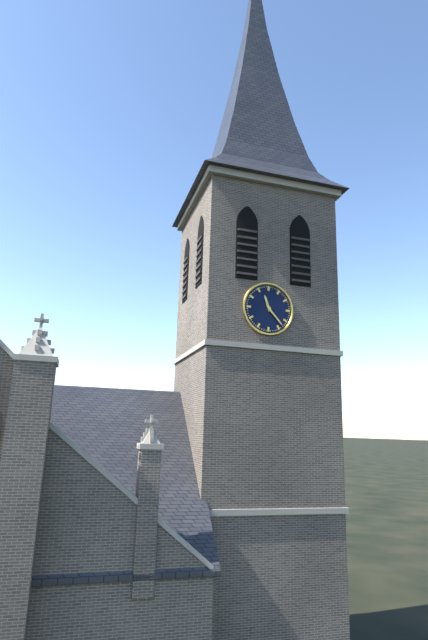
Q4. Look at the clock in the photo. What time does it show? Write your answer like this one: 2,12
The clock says 11,23
